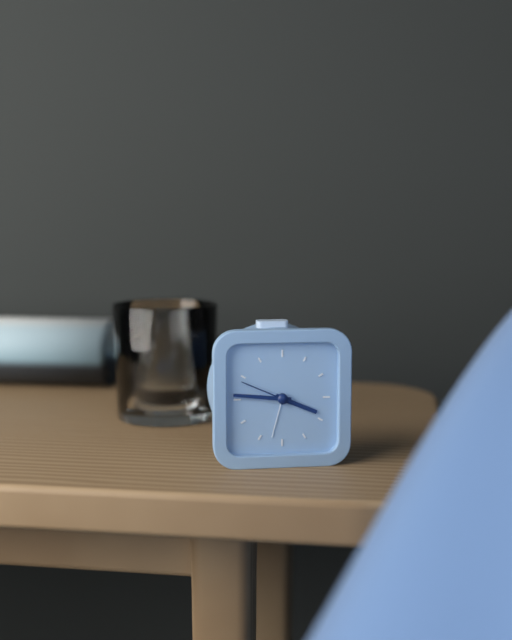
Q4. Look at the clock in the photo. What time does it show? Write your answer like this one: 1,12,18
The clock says 3,46,49
